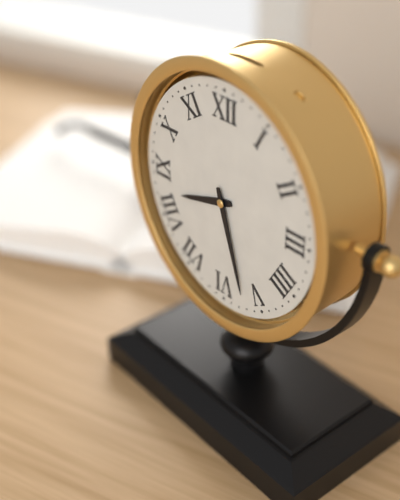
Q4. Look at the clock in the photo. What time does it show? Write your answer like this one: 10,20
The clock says 8,27
